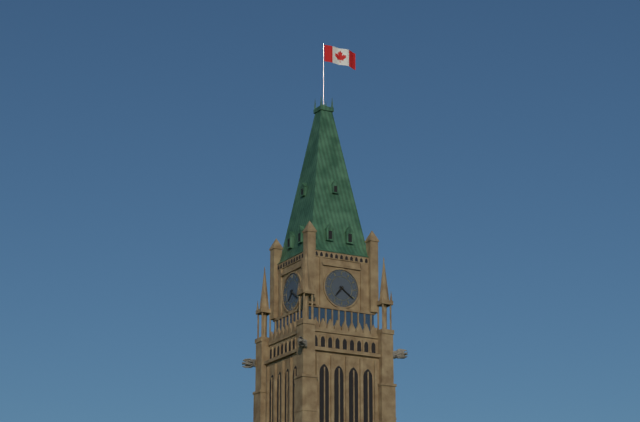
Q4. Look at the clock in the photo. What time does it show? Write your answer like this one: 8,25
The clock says 7,21
